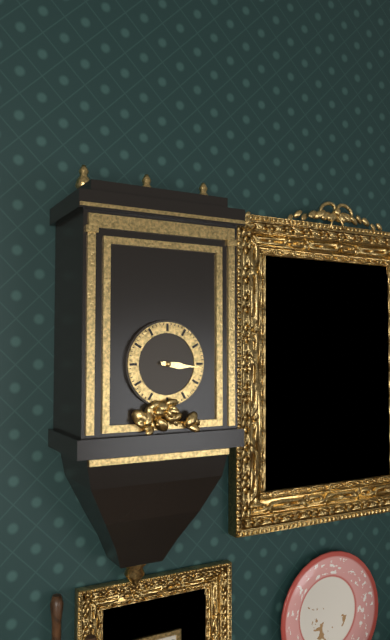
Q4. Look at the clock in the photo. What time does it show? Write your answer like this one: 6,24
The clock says 3,16
